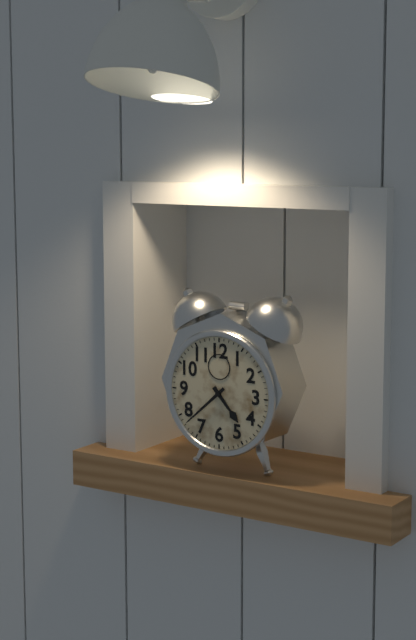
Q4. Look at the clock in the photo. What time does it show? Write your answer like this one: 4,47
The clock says 4,38
